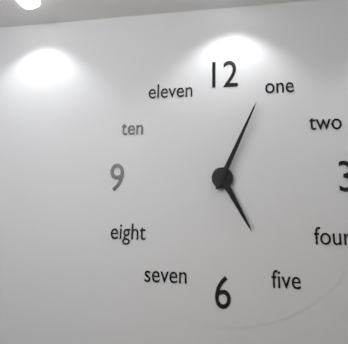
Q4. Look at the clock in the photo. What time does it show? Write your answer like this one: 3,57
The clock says 5,04
